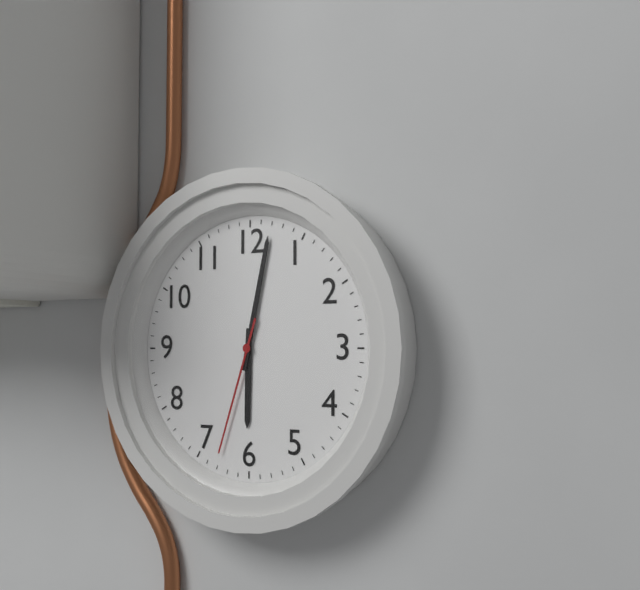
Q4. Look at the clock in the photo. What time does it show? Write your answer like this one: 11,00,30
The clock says 6,02,33
